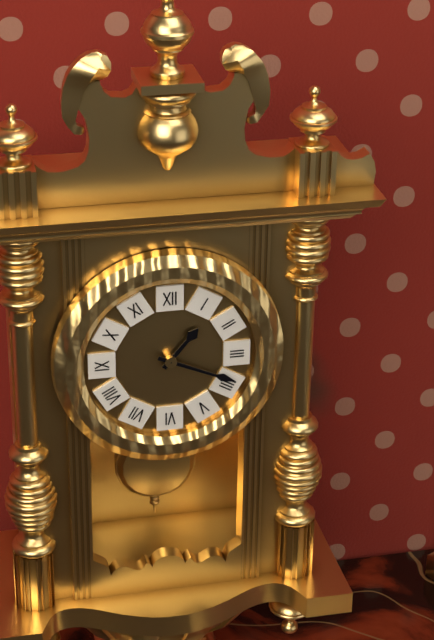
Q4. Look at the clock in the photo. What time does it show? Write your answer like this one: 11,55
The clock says 1,19
